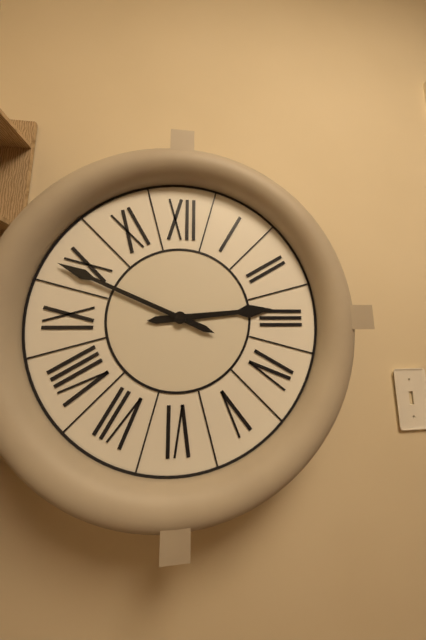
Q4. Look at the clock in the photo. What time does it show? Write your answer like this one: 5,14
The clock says 2,49
